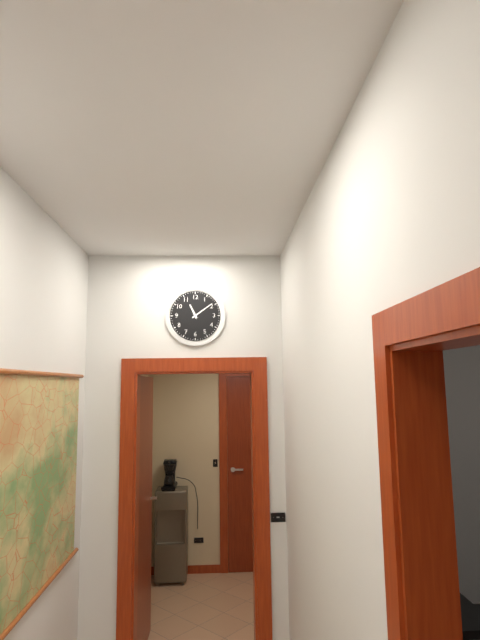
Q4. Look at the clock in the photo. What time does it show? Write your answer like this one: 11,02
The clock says 11,09
